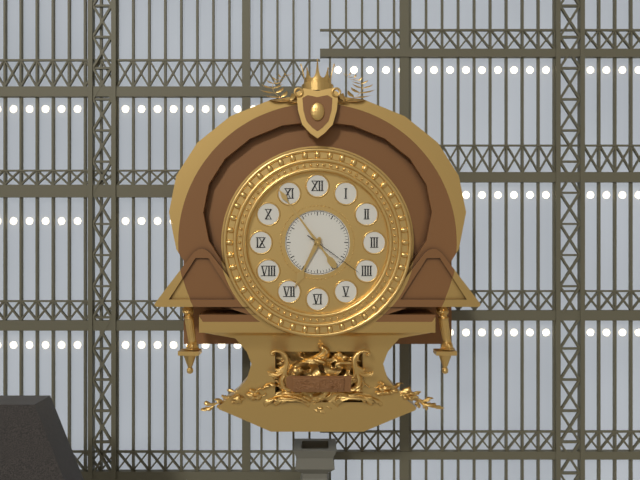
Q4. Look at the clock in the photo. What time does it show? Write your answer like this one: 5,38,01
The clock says 6,54,21
